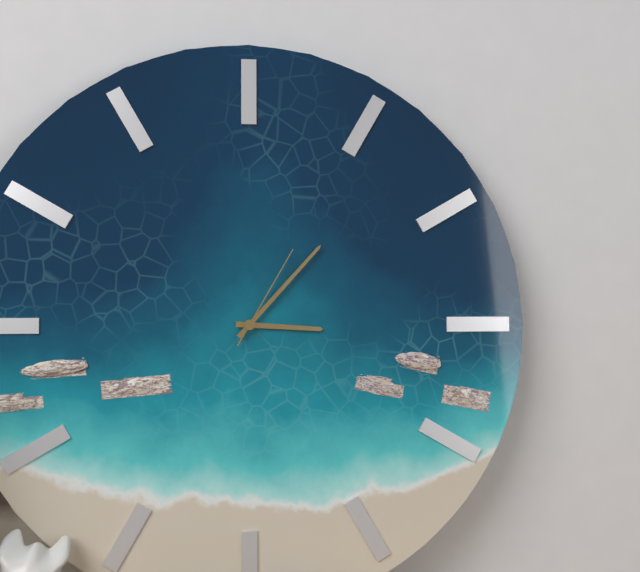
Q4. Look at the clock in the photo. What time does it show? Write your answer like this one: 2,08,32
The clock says 3,07,05
